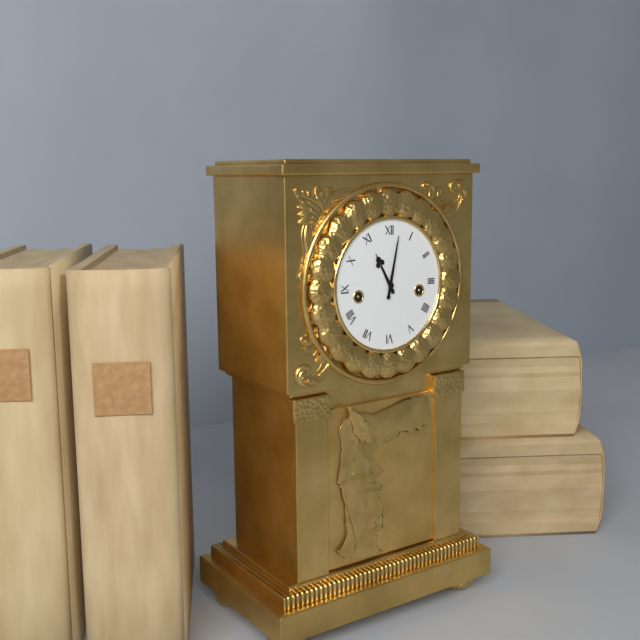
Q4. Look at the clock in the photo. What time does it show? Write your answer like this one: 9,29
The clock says 11,02
